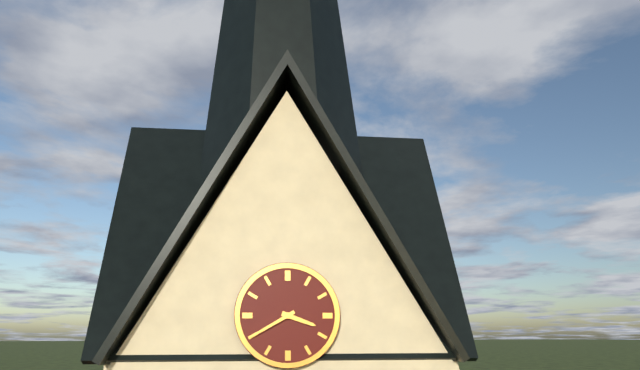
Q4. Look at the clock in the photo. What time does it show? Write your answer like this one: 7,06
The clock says 3,40
